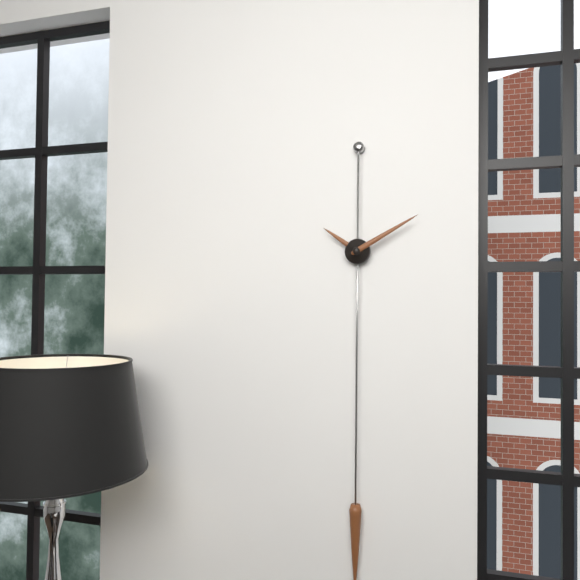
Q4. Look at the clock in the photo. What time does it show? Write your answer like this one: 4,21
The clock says 10,10
